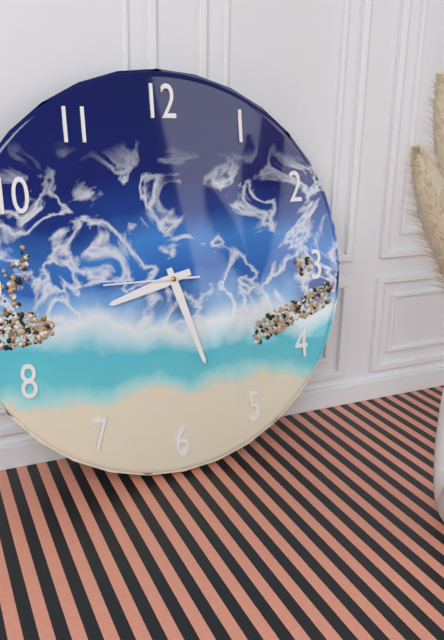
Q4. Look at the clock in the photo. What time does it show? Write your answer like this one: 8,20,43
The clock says 8,27,45
